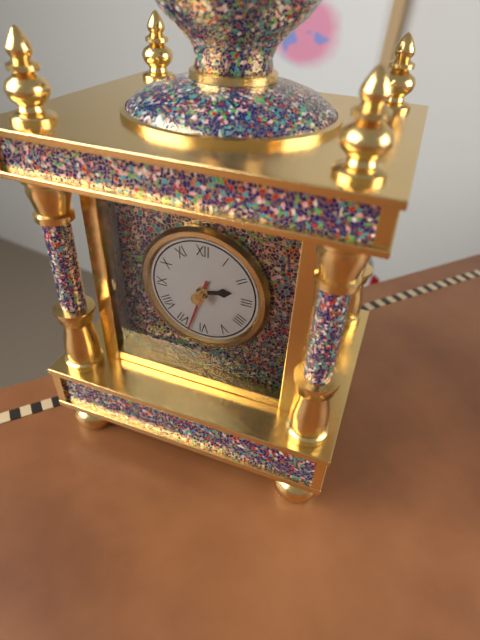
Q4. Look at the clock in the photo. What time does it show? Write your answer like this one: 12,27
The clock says 2,33
